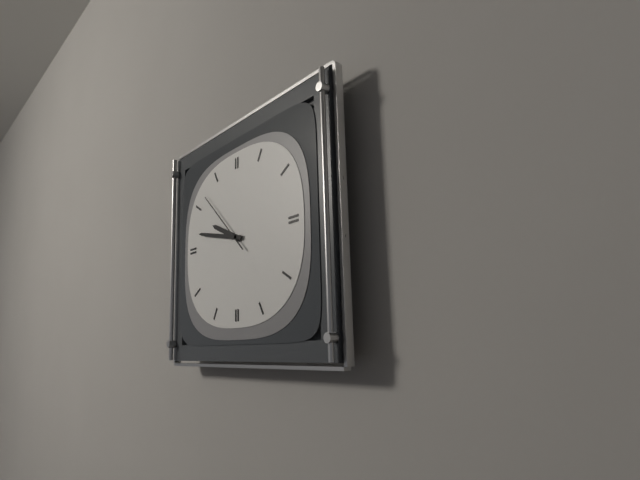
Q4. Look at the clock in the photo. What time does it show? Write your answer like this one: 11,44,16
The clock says 9,47,52
